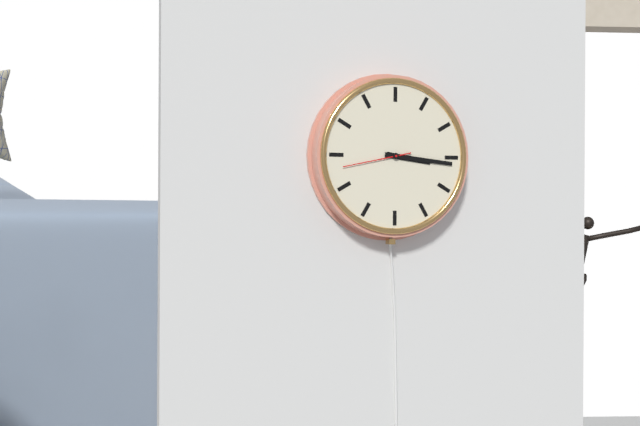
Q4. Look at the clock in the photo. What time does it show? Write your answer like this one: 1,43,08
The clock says 3,16,43
